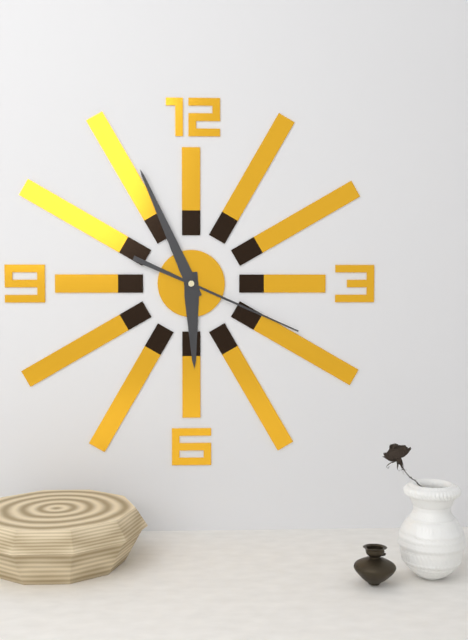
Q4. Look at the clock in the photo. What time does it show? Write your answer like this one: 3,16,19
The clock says 5,56,19
